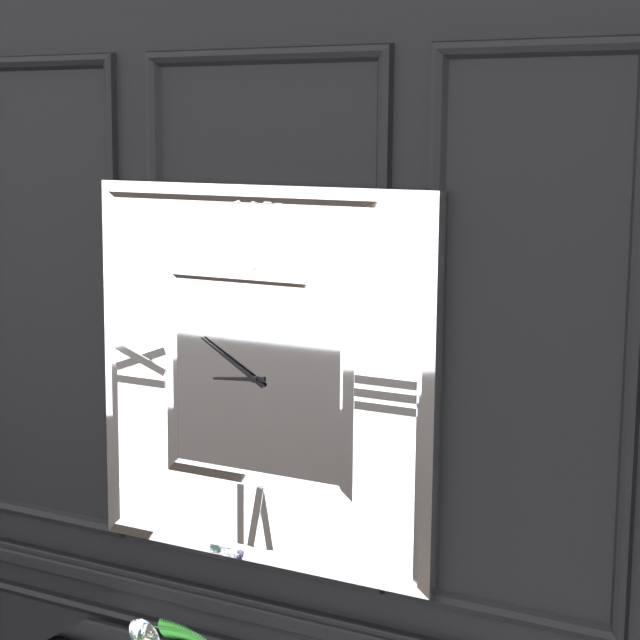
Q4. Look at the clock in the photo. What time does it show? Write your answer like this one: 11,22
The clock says 8,50
